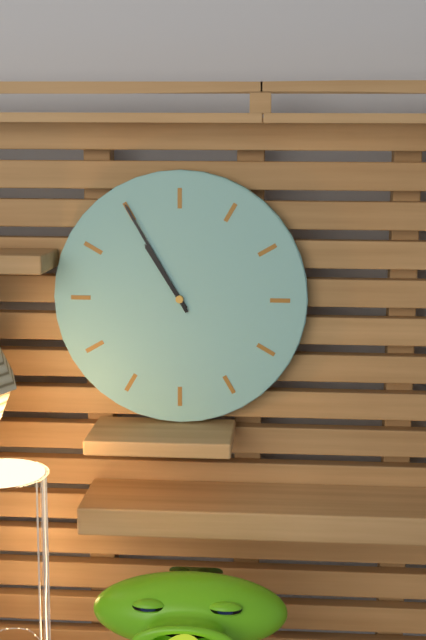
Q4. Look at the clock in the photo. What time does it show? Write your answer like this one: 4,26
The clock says 10,55
